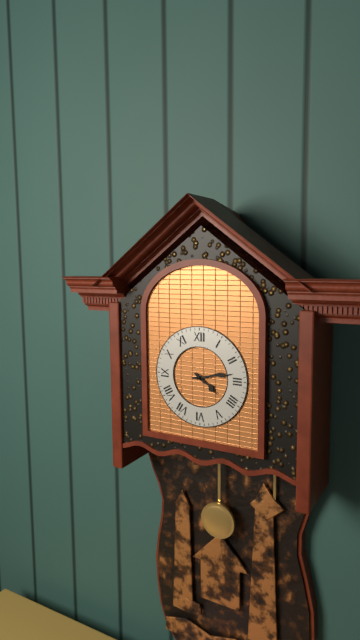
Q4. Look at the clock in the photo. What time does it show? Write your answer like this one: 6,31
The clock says 4,13
